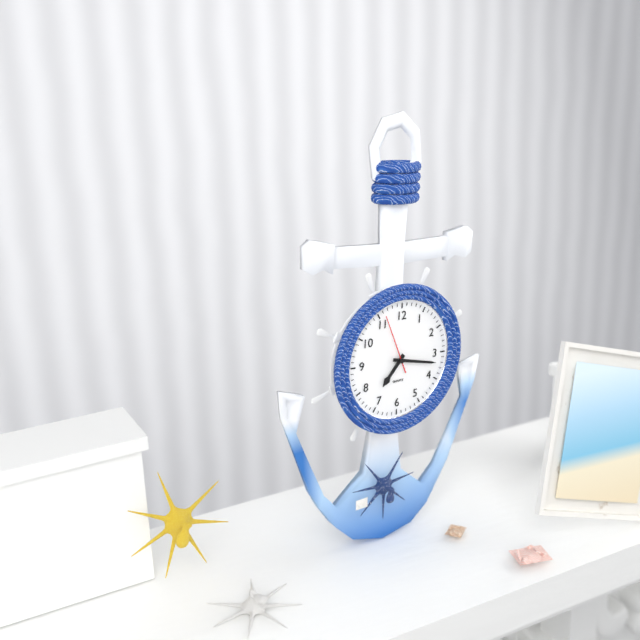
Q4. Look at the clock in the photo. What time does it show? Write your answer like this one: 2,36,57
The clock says 7,17,56
